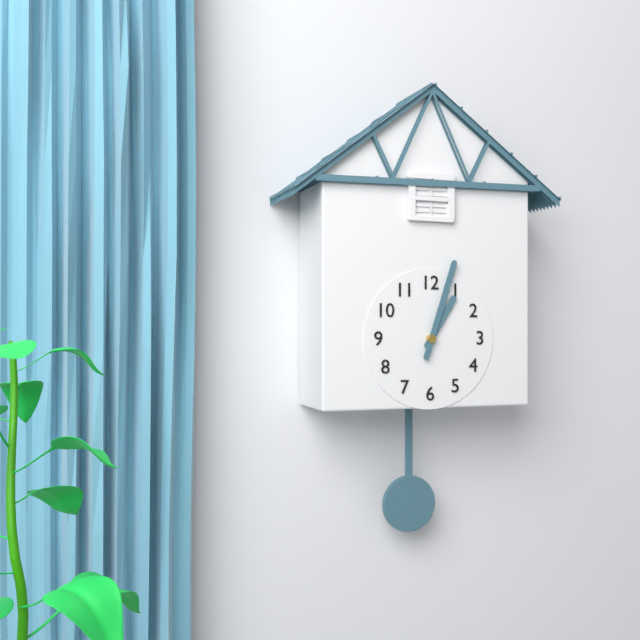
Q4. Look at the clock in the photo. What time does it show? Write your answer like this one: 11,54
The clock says 1,03
